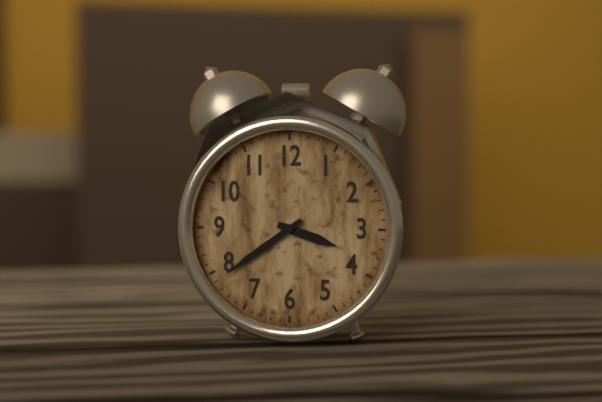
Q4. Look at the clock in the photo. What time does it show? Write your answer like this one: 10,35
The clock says 3,39
